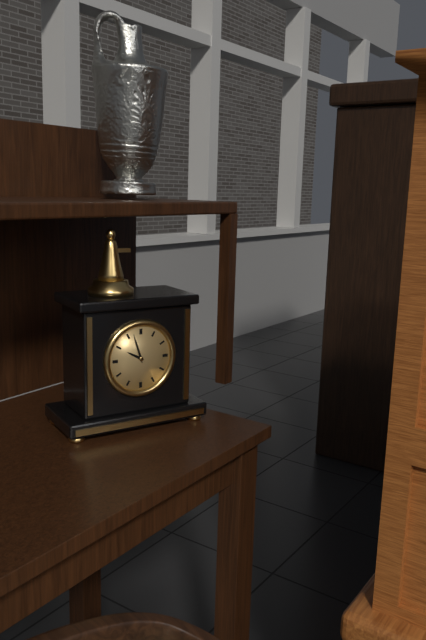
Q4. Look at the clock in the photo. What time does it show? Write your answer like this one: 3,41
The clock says 9,57
